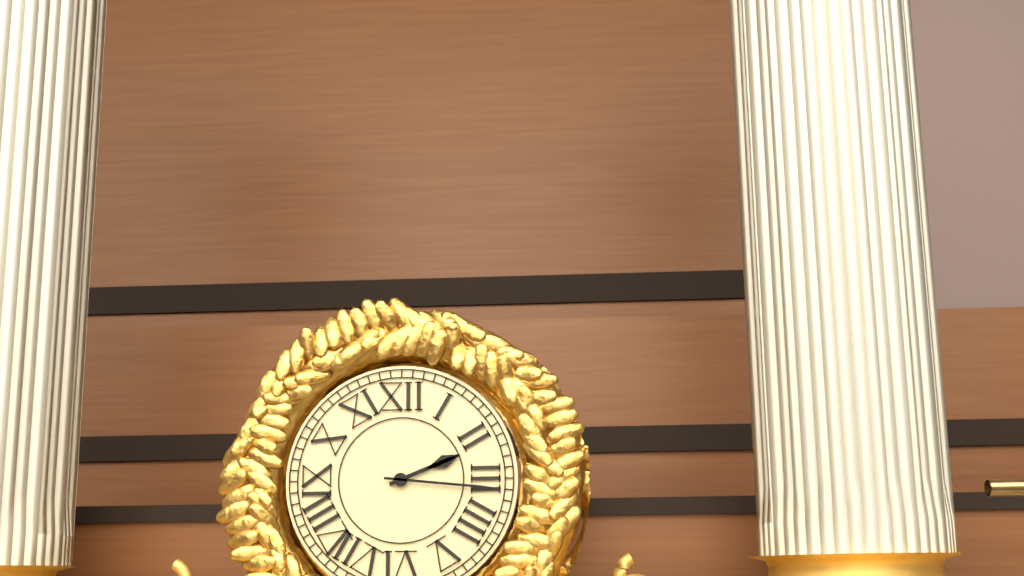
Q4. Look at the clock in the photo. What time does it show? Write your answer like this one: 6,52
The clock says 2,16
